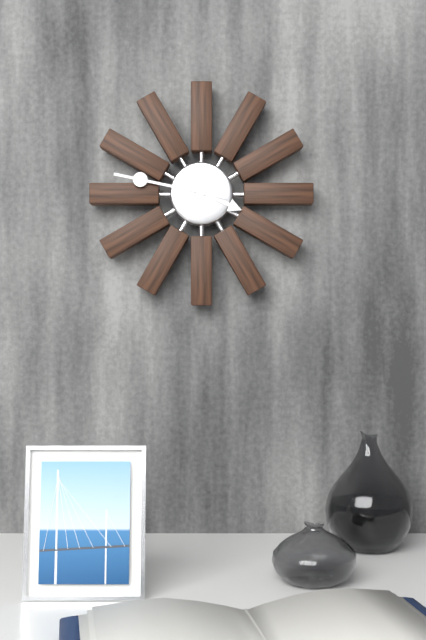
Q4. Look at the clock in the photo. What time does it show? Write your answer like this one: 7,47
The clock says 3,47
